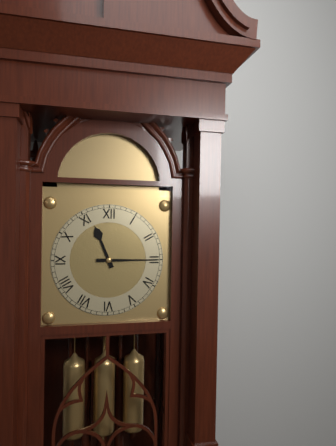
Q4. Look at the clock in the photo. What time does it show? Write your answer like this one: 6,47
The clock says 11,15
